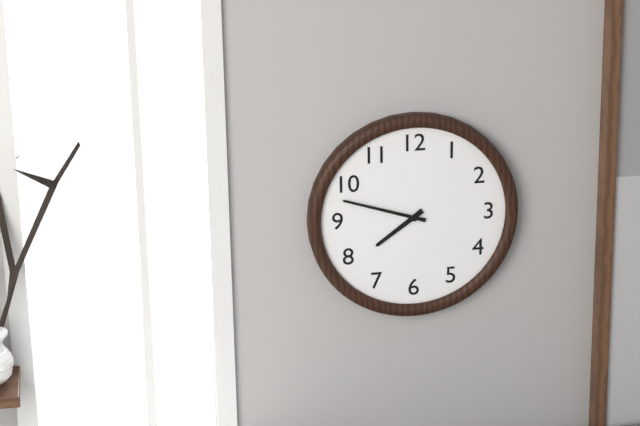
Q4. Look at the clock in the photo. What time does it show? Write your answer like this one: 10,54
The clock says 7,48
